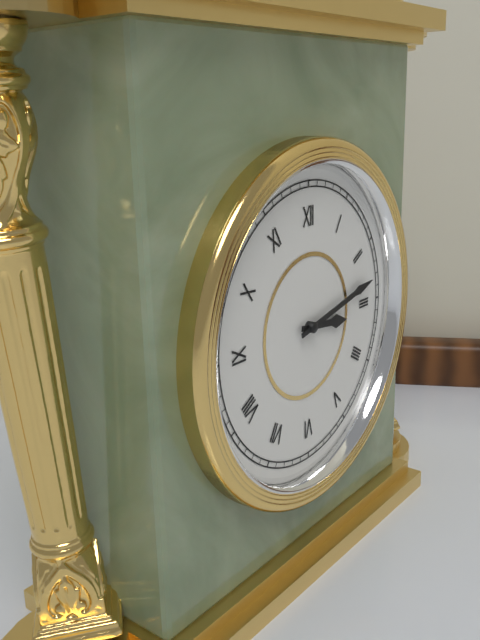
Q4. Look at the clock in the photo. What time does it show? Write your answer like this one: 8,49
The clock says 3,13
